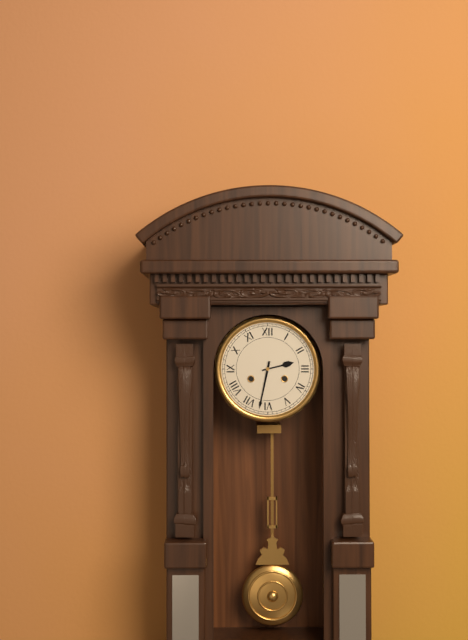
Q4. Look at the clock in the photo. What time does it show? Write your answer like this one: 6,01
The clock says 2,32
